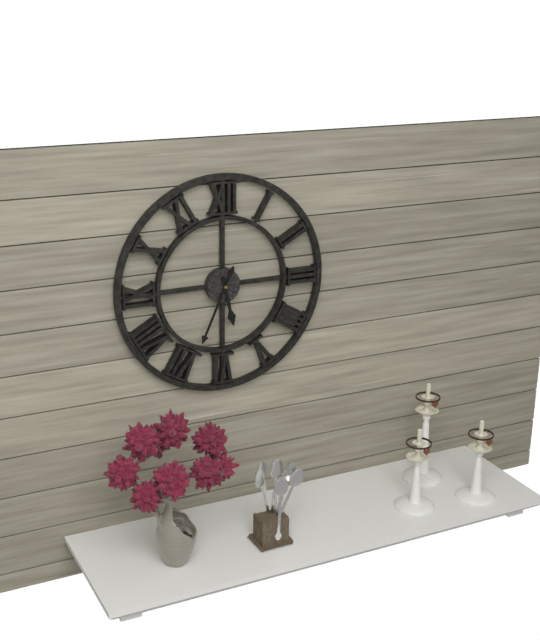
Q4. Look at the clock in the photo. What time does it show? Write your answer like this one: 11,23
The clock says 5,34
